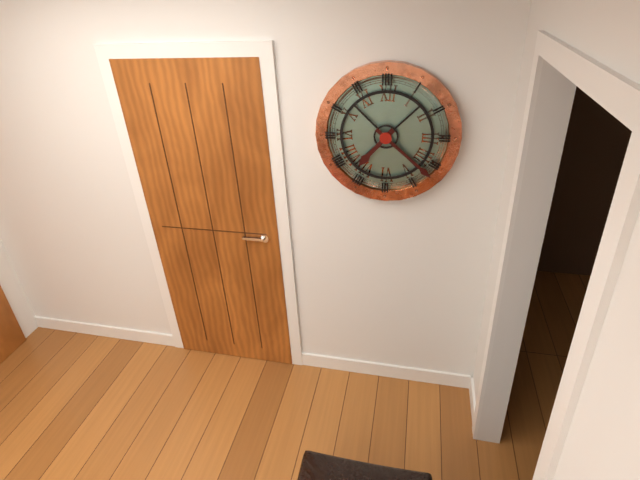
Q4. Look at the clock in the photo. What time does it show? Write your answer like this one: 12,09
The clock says 7,22
